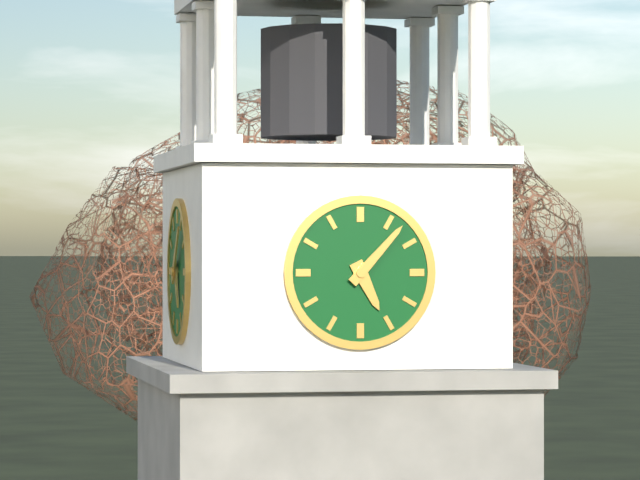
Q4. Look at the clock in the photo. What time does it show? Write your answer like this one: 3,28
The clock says 5,07
